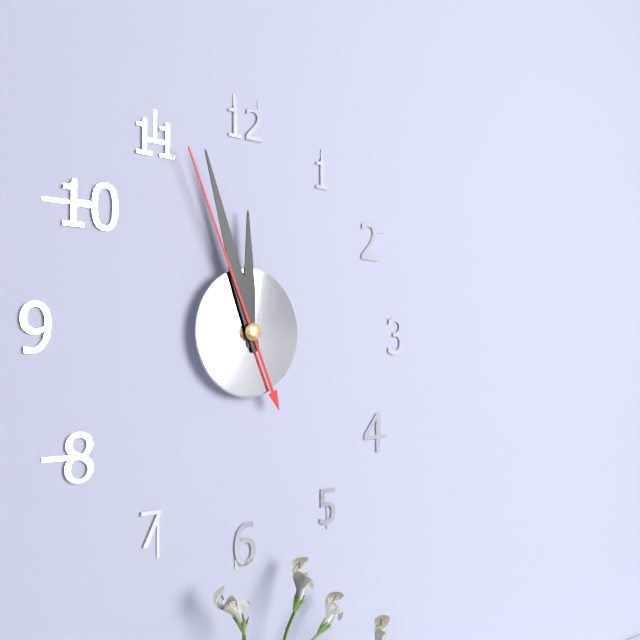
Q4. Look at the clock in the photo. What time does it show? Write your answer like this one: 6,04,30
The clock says 11,57,56
